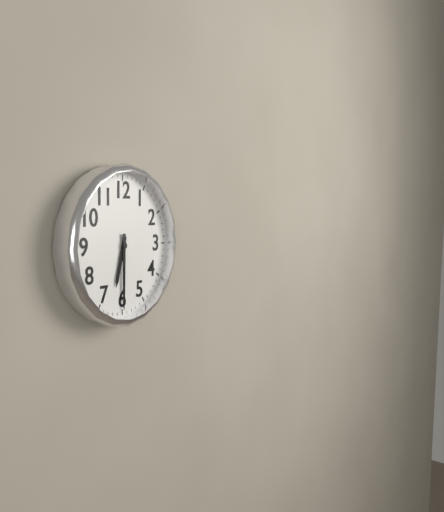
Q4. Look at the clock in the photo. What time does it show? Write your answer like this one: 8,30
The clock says 6,30
